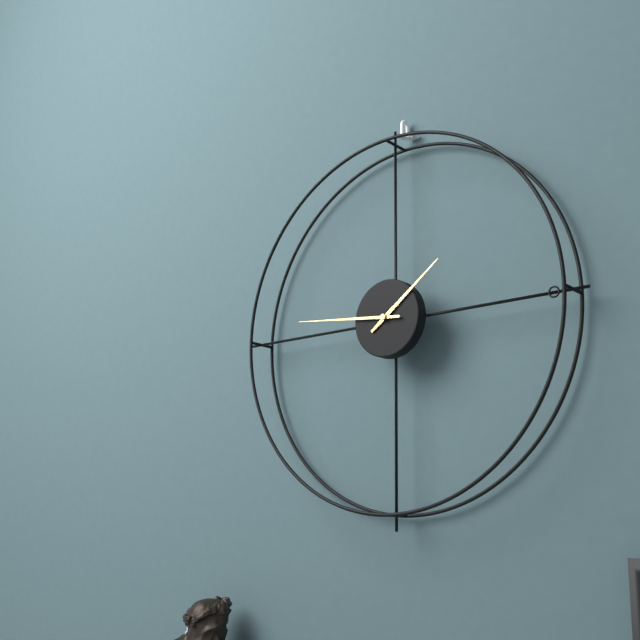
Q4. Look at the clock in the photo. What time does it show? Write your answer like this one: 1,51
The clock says 1,46
